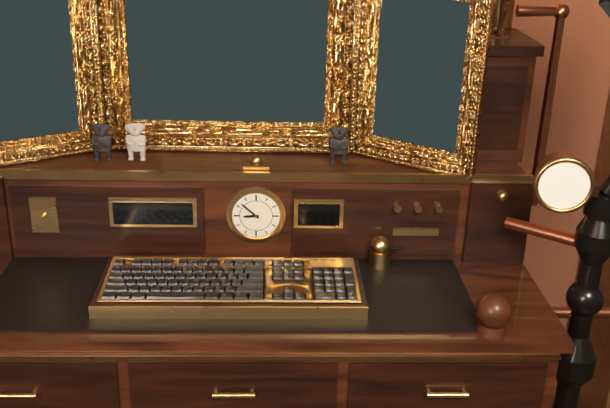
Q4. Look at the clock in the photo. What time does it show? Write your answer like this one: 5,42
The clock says 8,52
